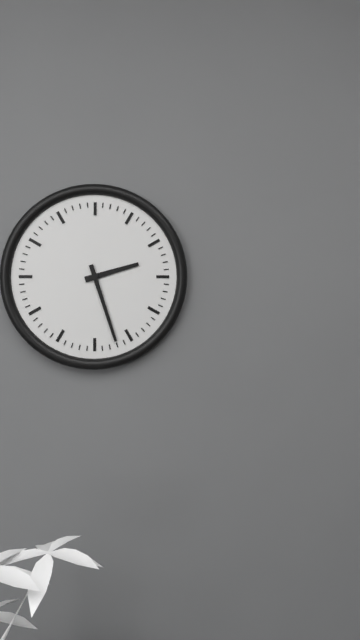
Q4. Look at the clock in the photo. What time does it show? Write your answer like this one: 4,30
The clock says 2,27
